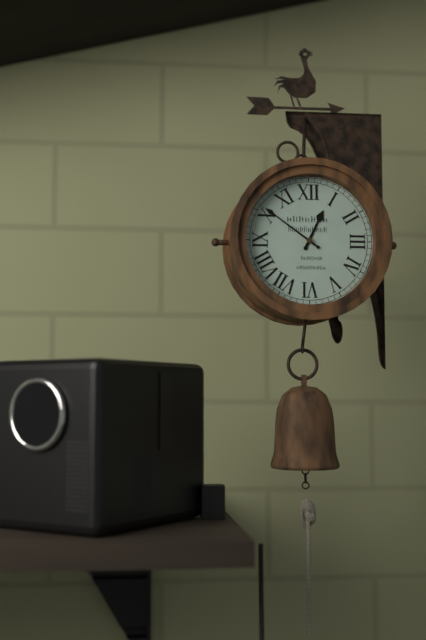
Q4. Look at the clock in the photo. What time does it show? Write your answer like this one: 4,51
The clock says 12,51
